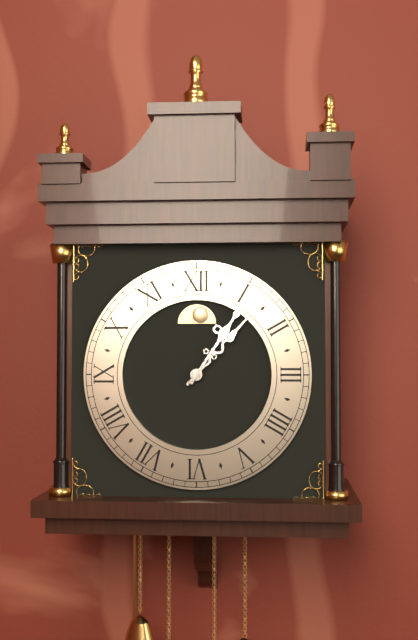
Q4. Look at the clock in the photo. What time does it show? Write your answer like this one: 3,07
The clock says 1,07
